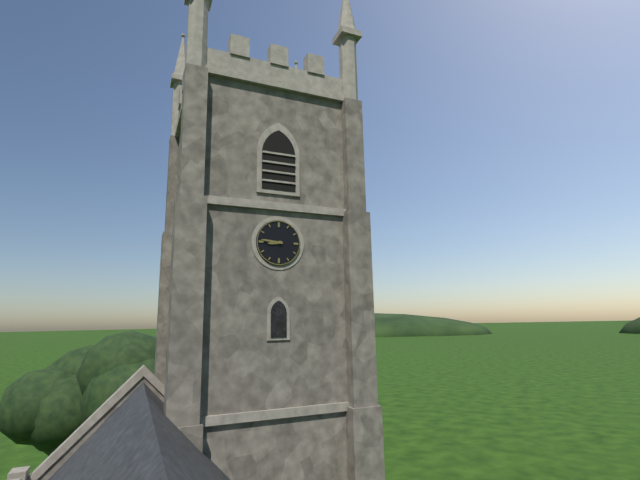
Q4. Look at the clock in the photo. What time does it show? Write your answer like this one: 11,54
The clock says 8,46
